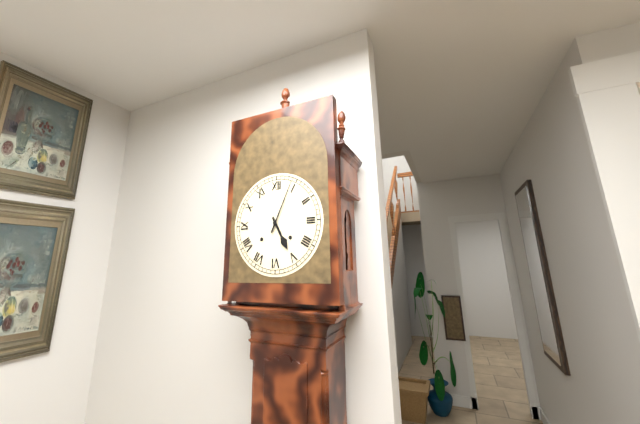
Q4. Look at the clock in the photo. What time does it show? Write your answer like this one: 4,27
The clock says 5,04
